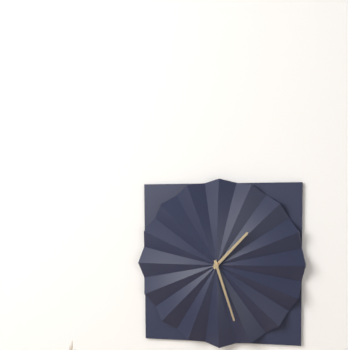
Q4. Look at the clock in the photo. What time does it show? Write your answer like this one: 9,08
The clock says 1,27
